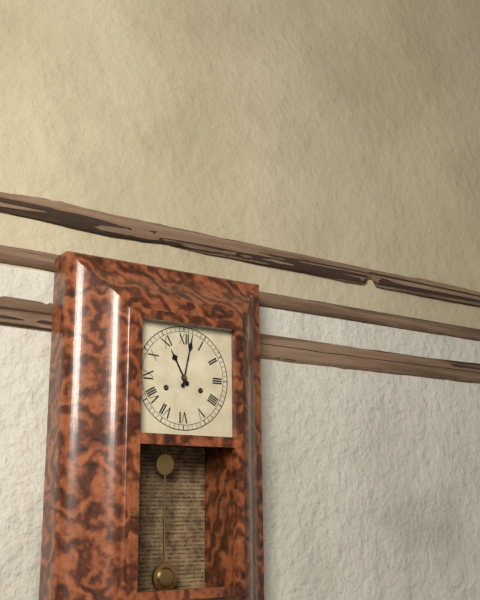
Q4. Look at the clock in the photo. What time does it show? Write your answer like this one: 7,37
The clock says 11,02
